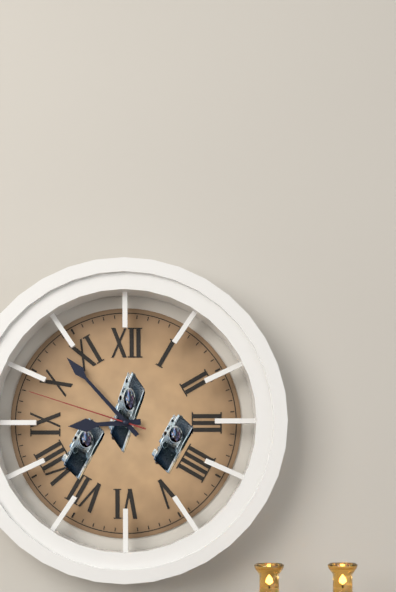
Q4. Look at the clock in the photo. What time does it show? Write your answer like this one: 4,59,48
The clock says 8,53,48
